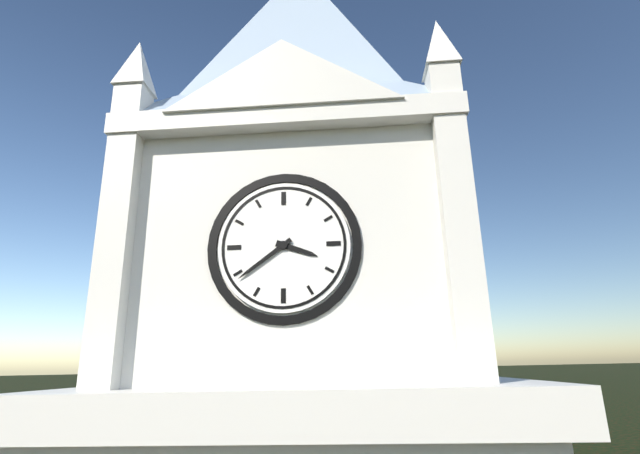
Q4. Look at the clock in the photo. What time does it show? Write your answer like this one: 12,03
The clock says 3,39
